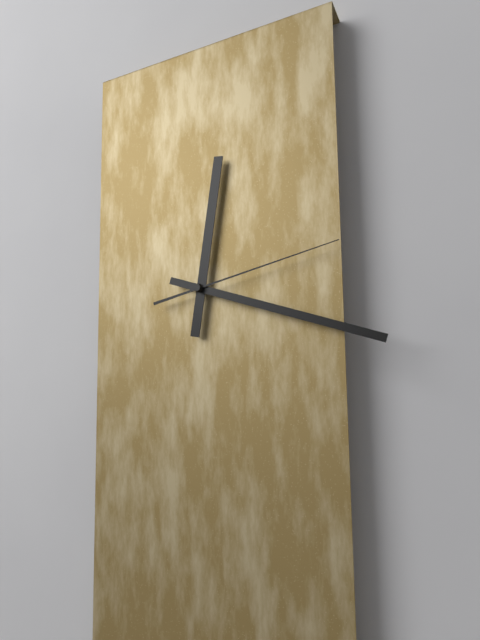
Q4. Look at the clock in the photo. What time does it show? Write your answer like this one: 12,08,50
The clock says 12,18,13
